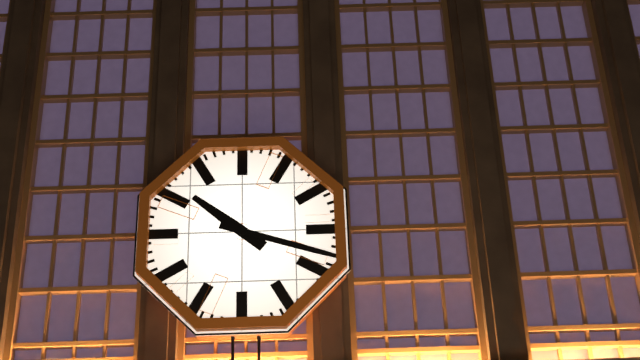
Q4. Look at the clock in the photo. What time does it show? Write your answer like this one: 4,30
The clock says 10,18
